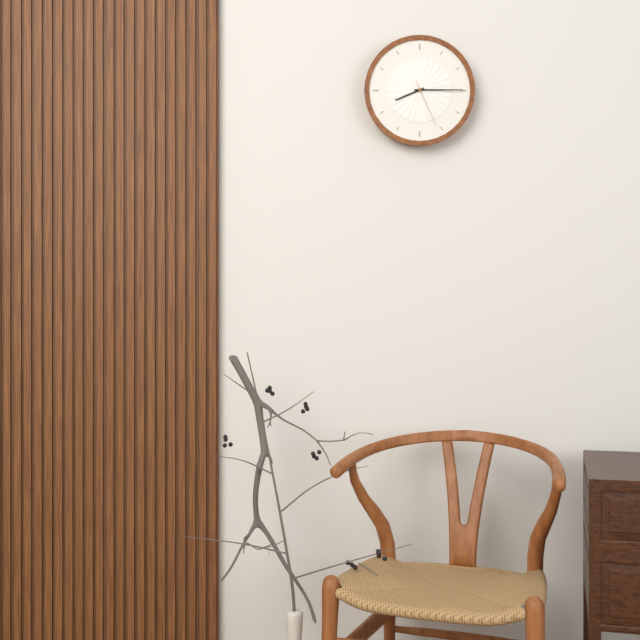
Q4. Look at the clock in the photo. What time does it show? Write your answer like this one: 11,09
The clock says 8,15
